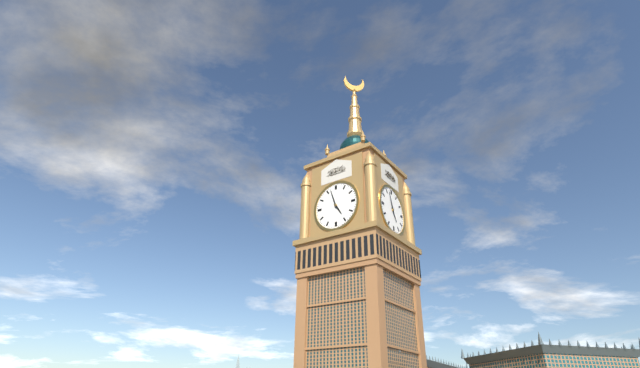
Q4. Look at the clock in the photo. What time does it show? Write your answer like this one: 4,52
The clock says 4,57
